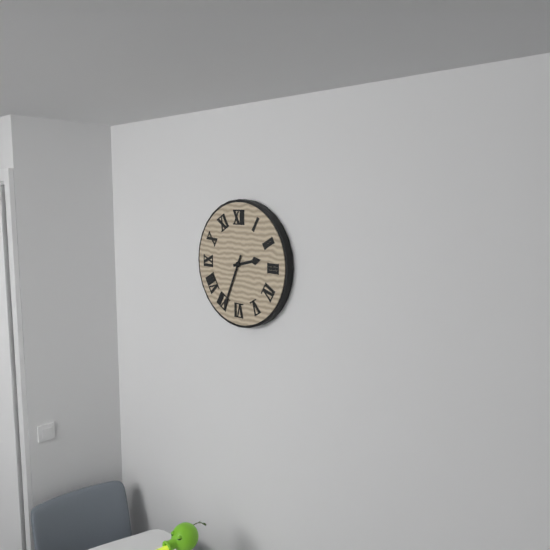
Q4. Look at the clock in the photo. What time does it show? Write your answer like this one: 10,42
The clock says 2,34
